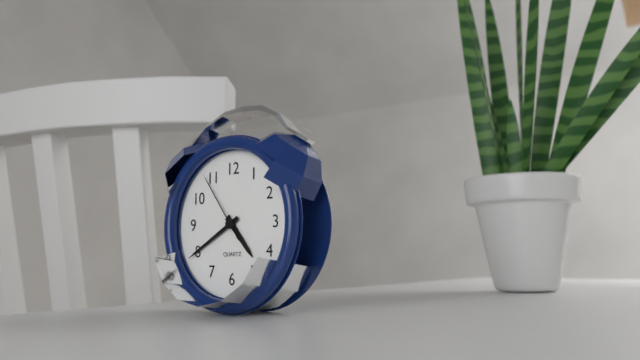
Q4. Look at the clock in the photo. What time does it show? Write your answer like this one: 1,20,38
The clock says 4,40,54
